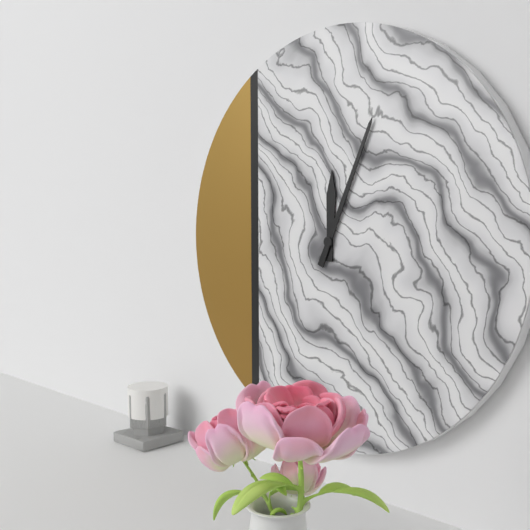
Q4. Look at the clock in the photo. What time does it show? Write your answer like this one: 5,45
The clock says 12,04
